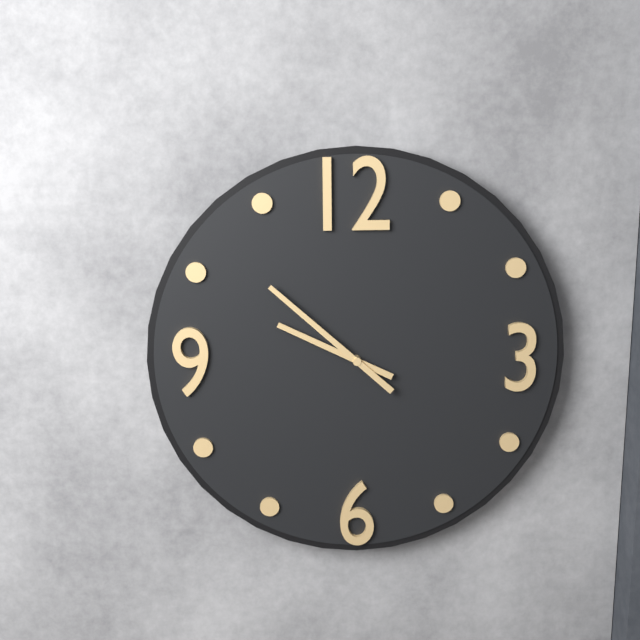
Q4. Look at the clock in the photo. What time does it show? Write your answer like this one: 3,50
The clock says 9,52
